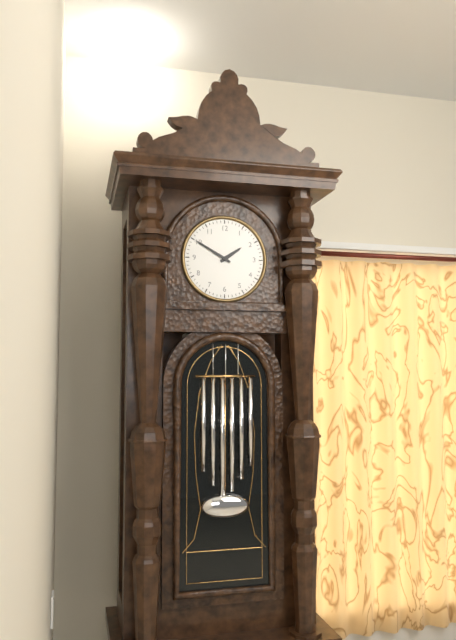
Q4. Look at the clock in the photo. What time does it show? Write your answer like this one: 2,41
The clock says 1,50
